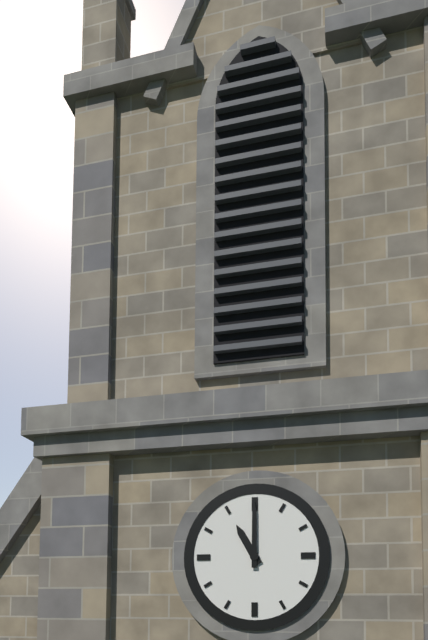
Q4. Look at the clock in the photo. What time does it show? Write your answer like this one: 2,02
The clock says 11,00
